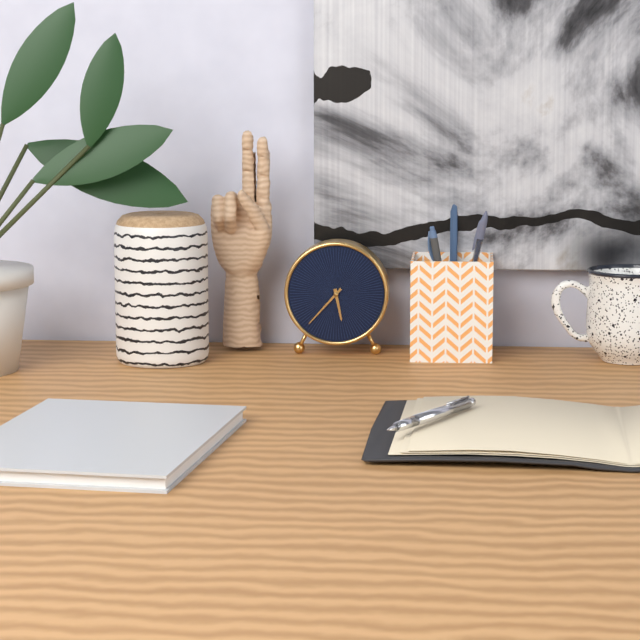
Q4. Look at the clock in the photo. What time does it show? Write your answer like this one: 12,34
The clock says 5,37
